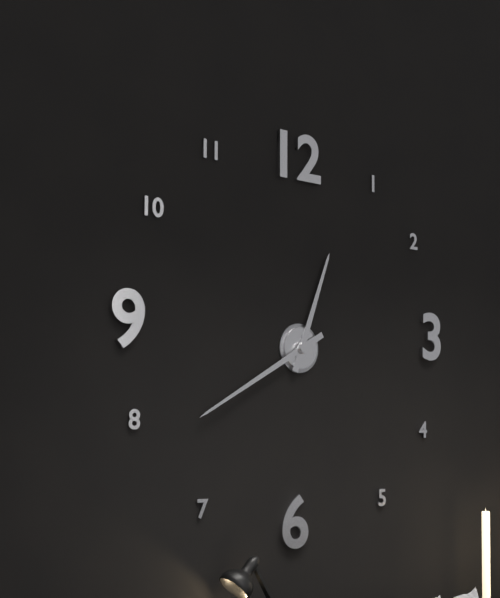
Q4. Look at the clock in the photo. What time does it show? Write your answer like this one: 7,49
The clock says 12,40
